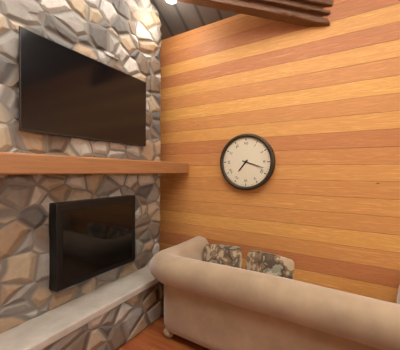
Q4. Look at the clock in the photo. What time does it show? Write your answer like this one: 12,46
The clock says 7,18
